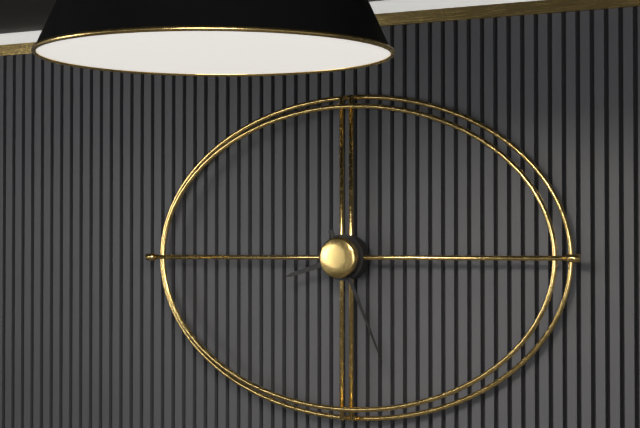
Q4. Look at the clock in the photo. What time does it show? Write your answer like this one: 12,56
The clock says 8,26
